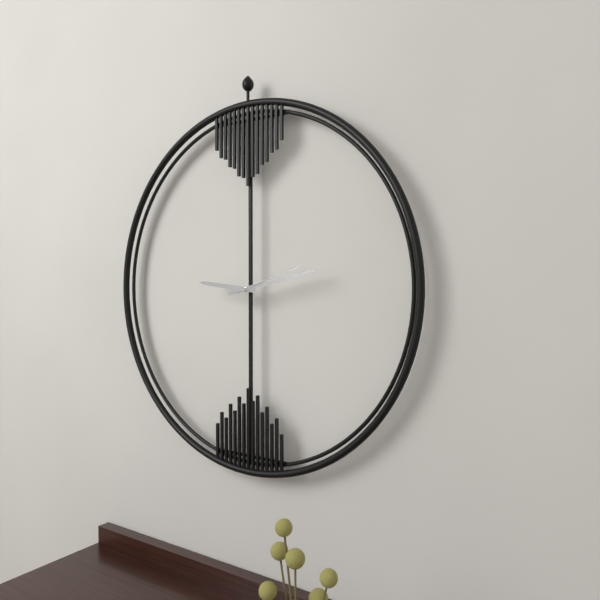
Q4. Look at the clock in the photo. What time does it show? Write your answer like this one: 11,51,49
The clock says 9,13,12
